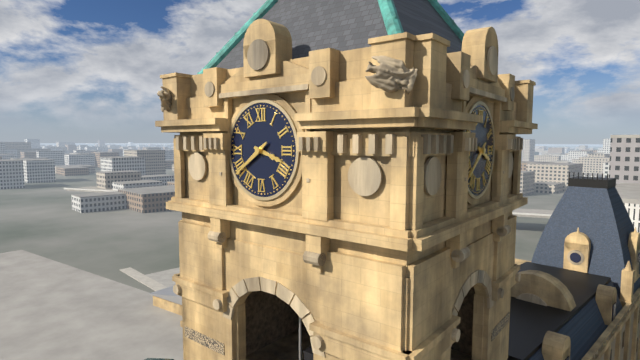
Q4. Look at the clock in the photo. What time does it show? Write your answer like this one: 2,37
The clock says 3,39
